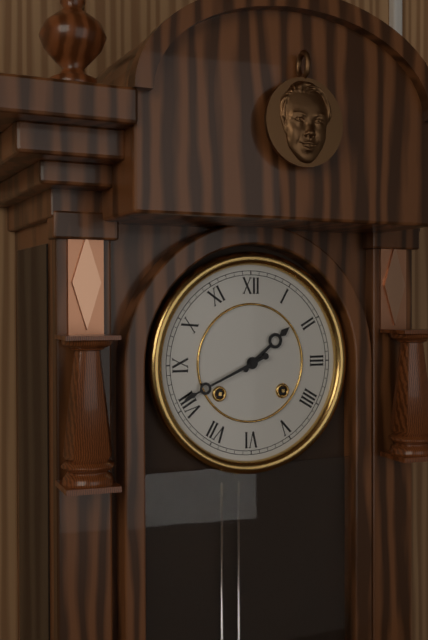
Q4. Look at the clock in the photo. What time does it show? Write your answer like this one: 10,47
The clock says 1,41
